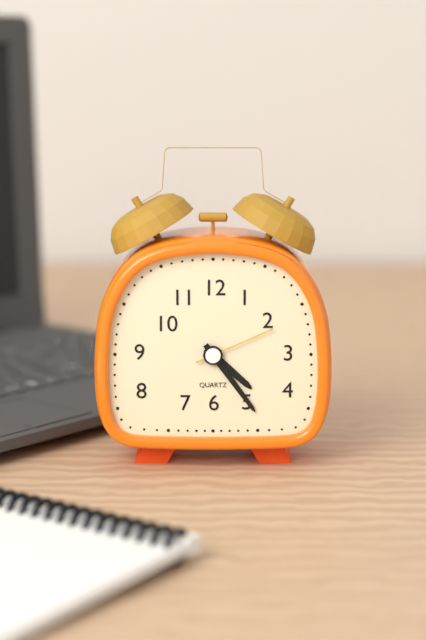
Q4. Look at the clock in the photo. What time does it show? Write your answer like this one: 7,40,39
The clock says 4,24,11
